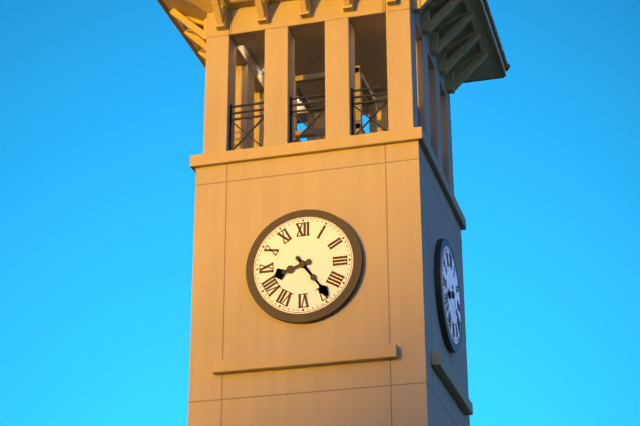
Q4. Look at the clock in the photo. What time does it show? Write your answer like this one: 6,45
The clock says 8,24
